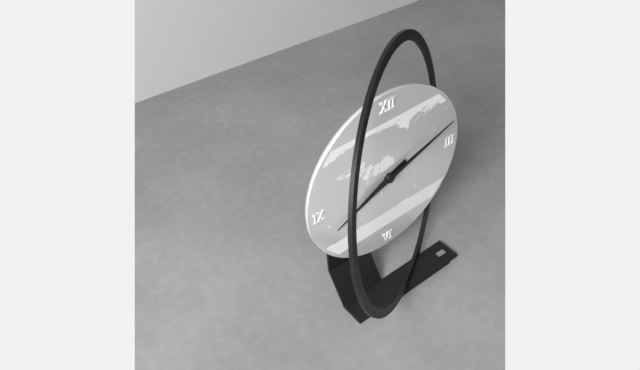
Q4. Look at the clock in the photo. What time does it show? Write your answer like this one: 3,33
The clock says 8,12
